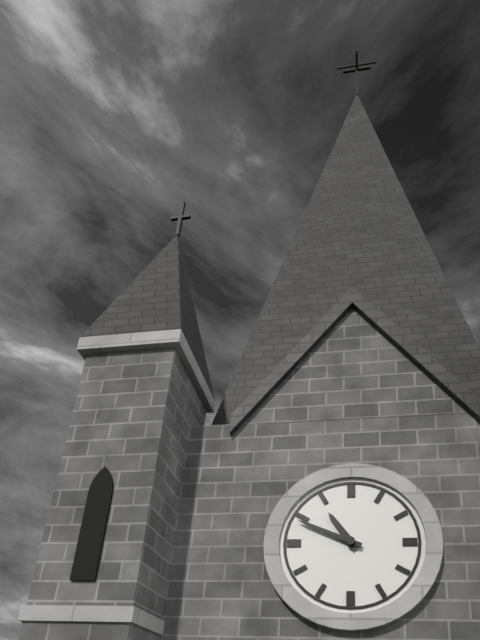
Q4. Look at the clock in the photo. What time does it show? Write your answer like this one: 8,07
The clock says 10,49
